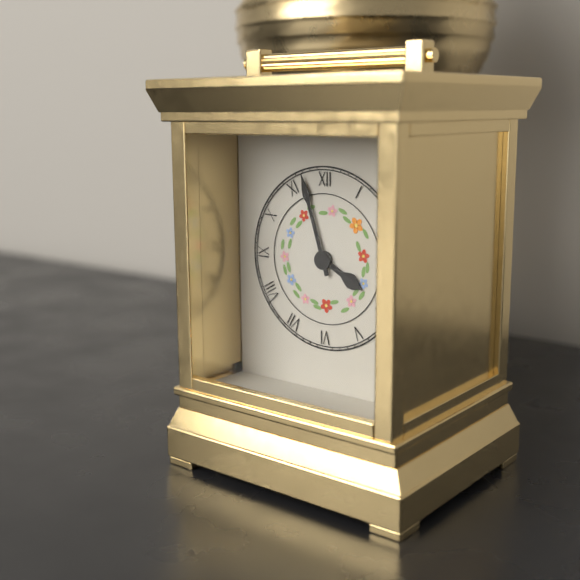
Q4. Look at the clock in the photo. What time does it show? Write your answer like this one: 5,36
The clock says 3,57
